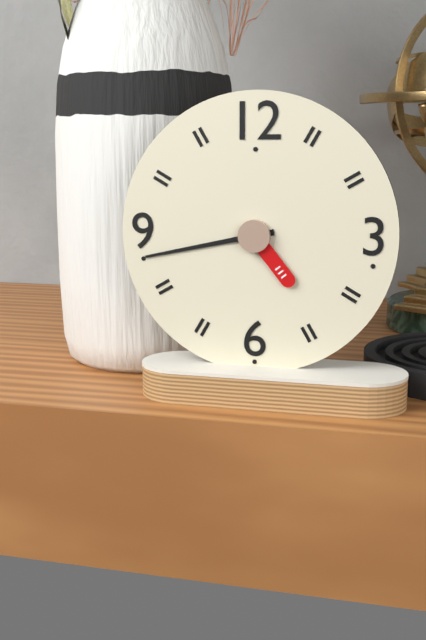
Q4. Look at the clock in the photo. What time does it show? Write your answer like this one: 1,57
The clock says 4,43
